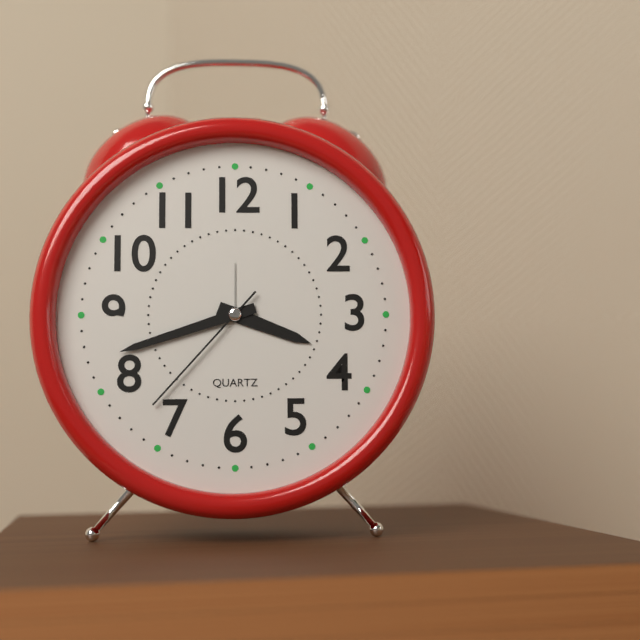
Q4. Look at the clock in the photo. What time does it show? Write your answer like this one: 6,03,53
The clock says 3,42,37
